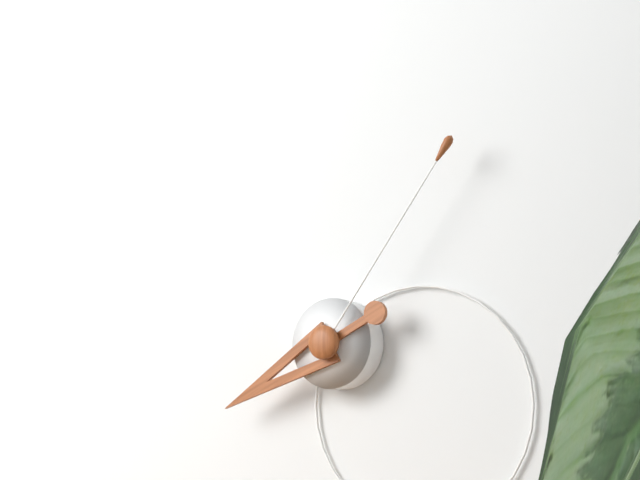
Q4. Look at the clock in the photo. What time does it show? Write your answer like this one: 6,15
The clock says 8,06
